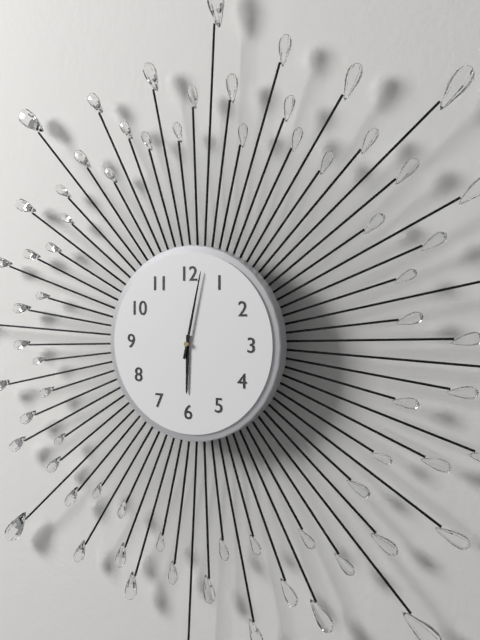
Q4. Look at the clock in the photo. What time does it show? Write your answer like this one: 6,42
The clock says 6,02
